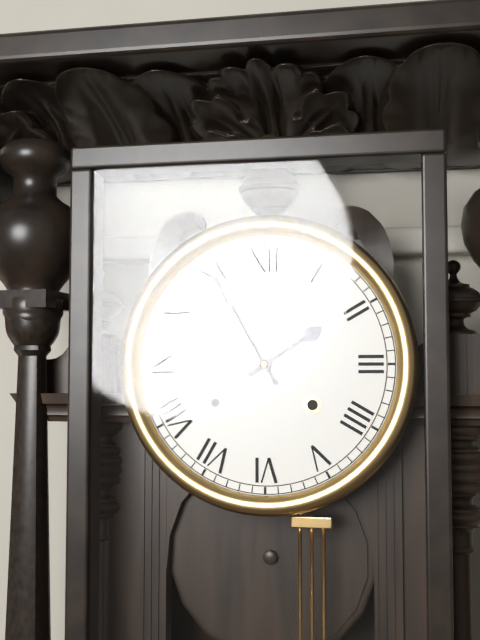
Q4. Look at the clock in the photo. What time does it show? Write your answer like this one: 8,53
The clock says 1,55
